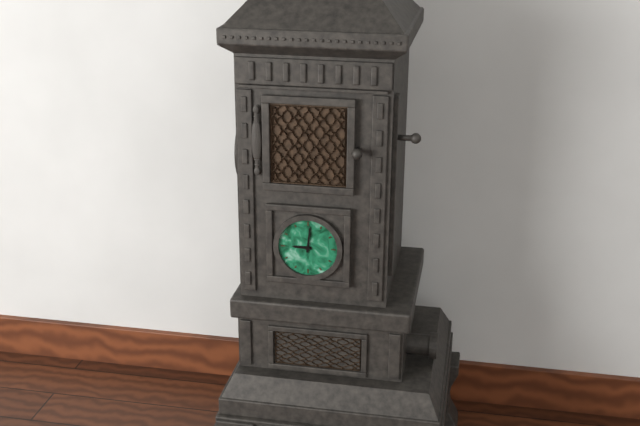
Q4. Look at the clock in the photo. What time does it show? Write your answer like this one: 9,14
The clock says 9,01
